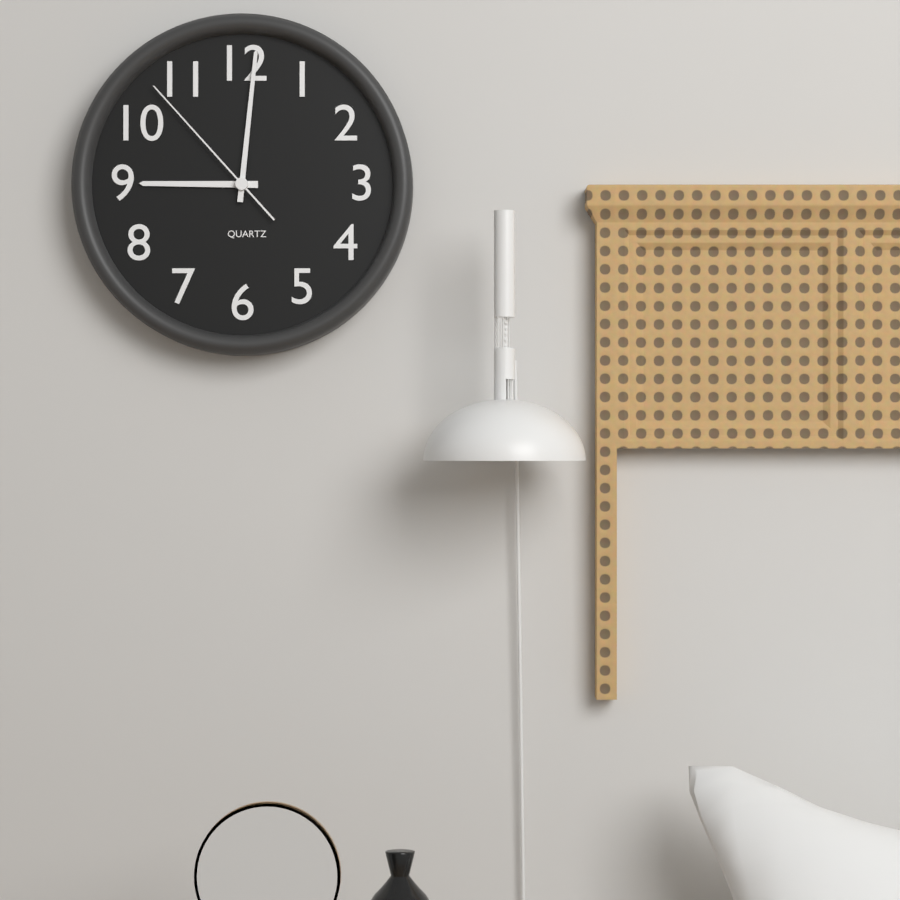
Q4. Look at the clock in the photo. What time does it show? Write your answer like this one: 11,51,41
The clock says 9,01,53
